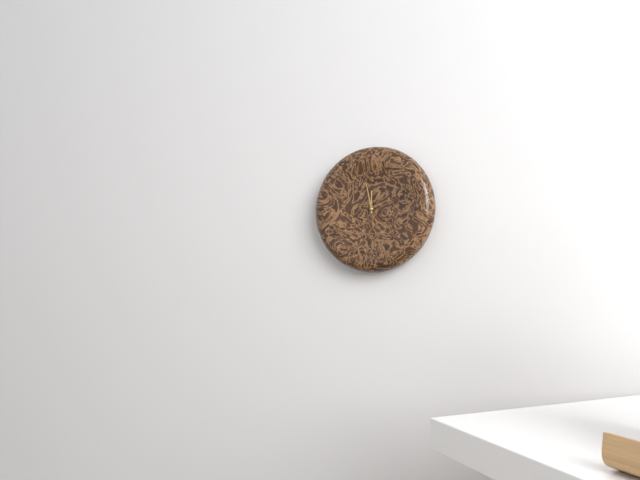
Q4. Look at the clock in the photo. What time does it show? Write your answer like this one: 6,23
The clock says 11,58
